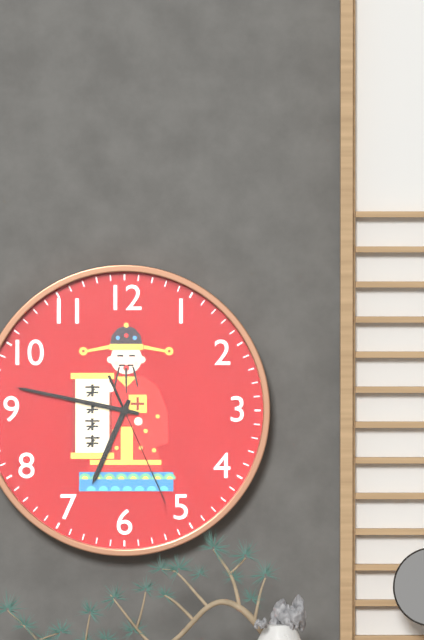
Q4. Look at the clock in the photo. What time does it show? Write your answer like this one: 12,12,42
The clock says 6,47,26
